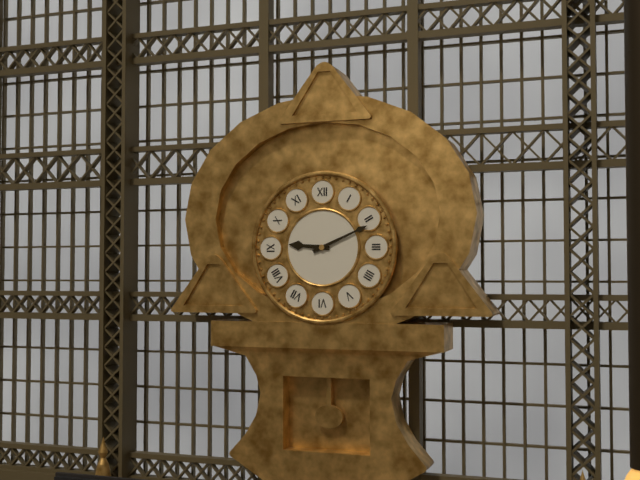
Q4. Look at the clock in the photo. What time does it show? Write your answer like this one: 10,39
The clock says 9,11
